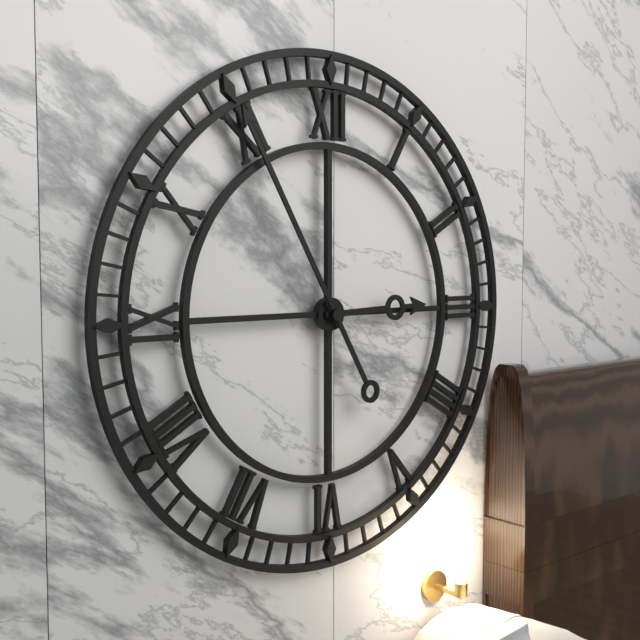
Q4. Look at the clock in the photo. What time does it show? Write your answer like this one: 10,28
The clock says 2,55
